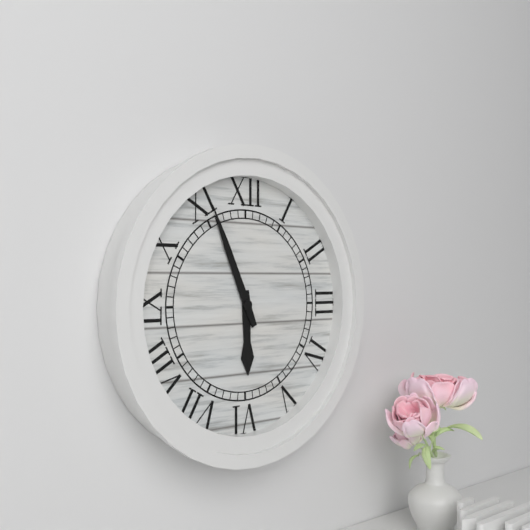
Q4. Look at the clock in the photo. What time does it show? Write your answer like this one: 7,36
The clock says 5,56
